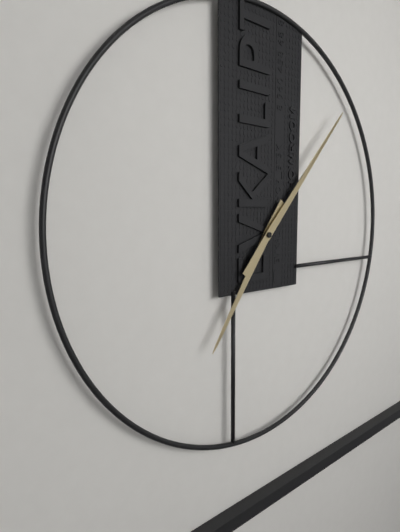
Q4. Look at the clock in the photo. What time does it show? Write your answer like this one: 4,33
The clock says 7,07
